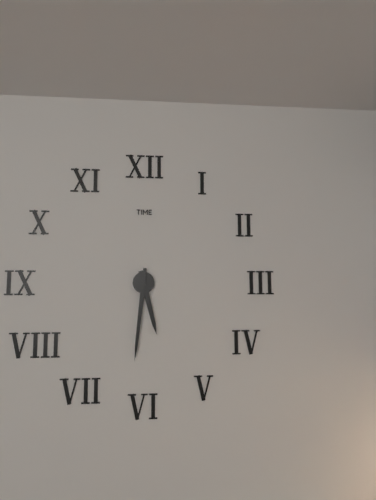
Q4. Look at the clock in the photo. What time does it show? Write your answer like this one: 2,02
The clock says 5,31
